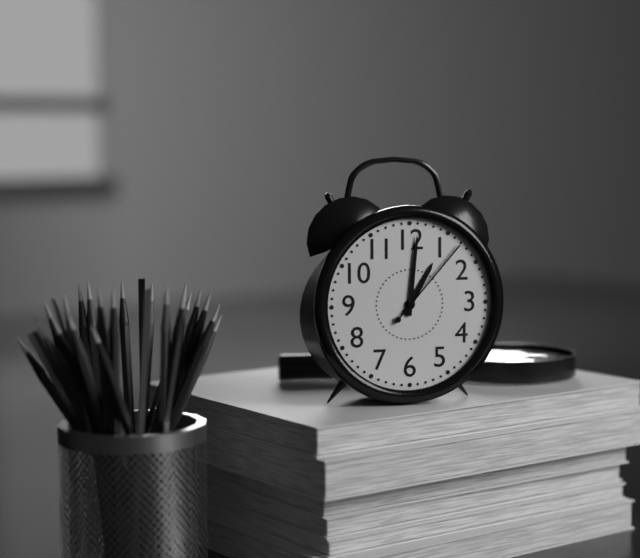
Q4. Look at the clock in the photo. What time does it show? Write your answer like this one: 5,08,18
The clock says 1,01,07
